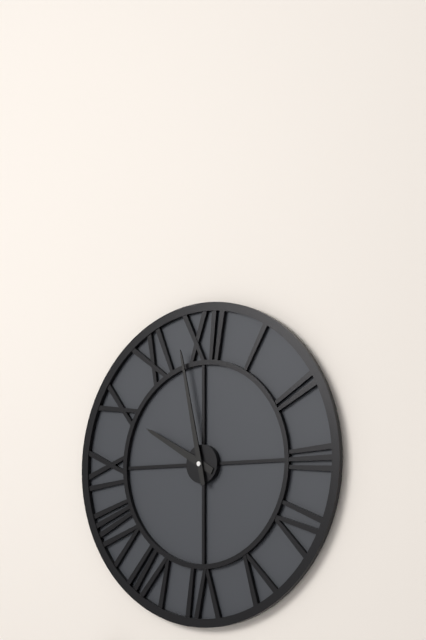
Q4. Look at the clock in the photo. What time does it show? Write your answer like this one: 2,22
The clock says 9,58
